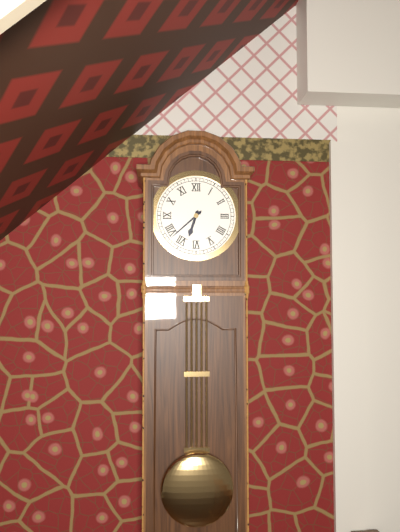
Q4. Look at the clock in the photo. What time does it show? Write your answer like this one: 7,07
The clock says 6,38
